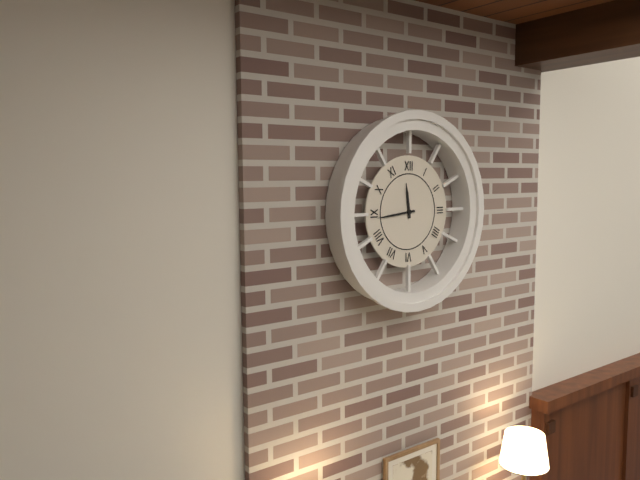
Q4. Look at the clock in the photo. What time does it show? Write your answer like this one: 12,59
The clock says 11,44
